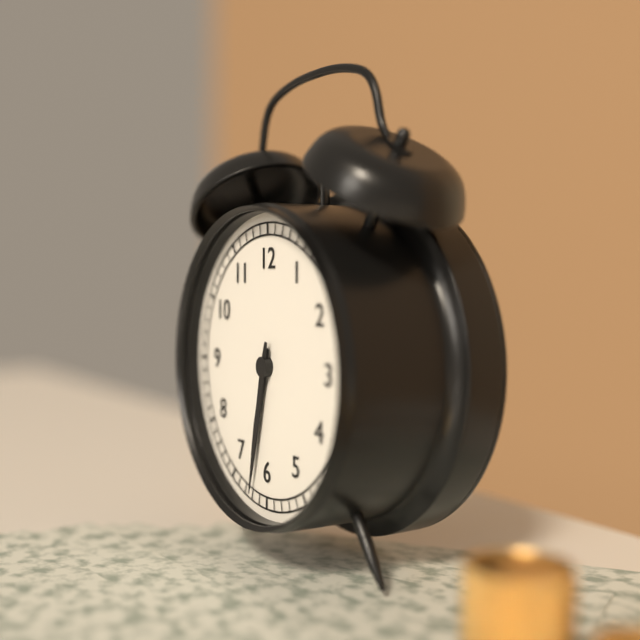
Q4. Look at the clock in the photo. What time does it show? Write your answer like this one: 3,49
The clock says 6,32
